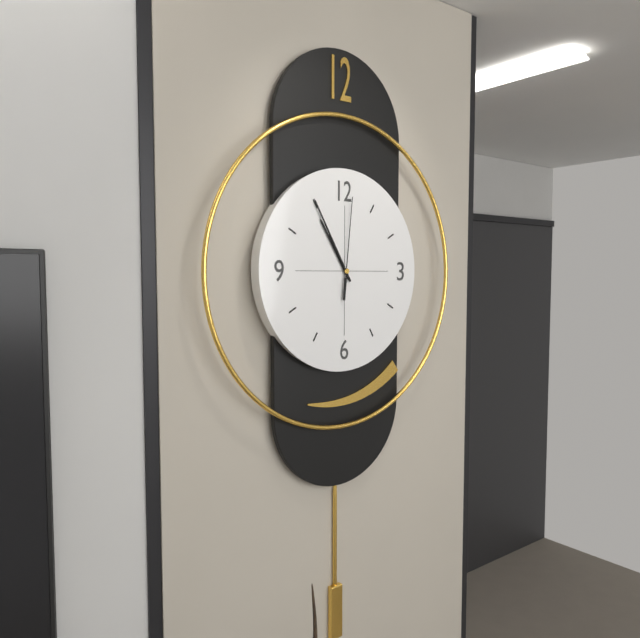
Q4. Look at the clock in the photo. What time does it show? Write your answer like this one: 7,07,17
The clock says 10,55,01
